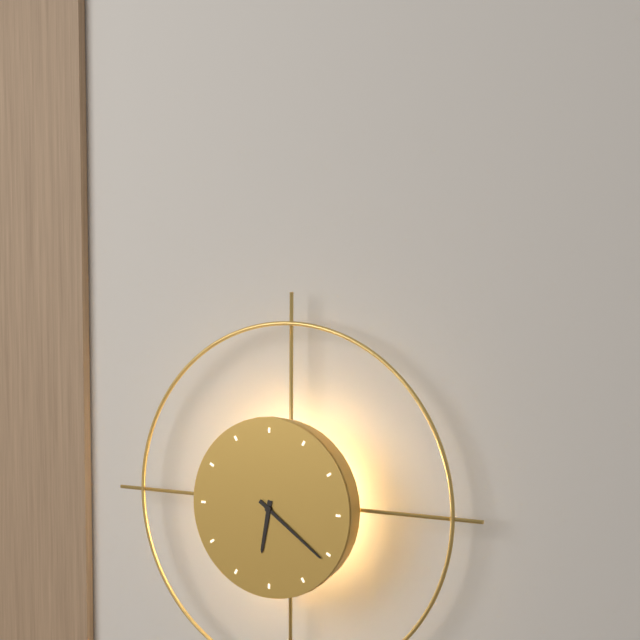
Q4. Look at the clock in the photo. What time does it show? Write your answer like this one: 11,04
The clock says 6,21
